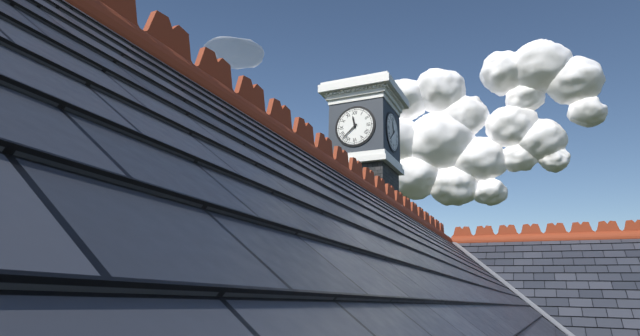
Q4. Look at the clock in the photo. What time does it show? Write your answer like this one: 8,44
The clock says 11,38
